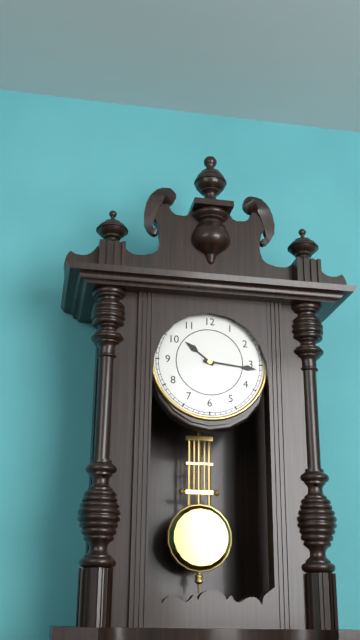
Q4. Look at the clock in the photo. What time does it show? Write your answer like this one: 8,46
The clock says 10,16
